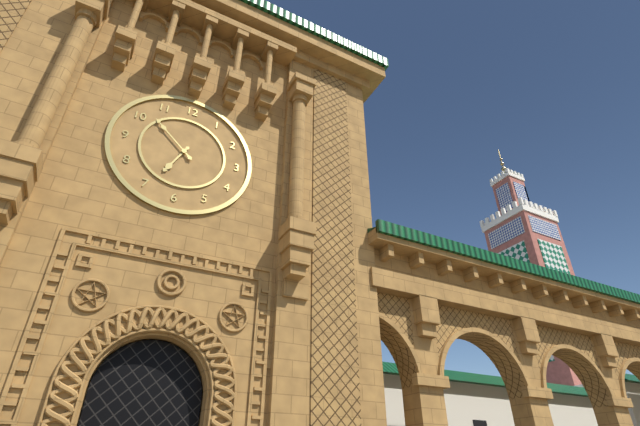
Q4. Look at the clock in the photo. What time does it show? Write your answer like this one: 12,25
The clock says 6,52
